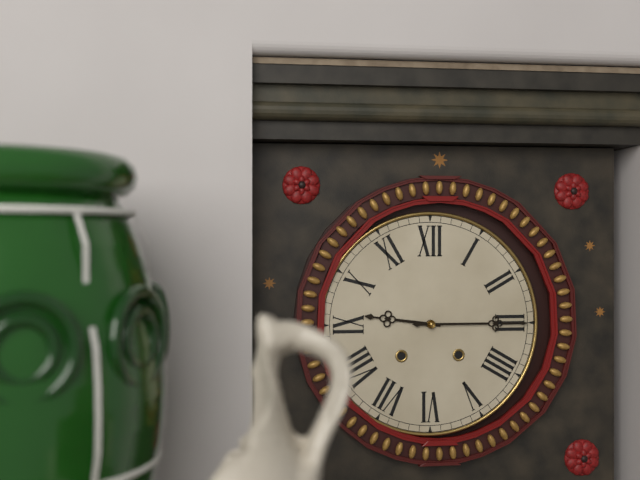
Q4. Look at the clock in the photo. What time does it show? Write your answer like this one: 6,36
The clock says 9,15
